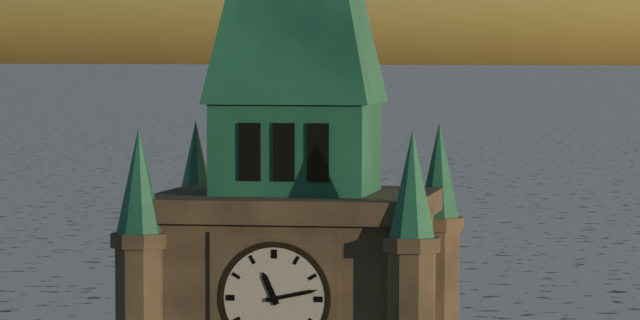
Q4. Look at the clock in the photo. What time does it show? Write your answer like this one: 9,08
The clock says 11,13
